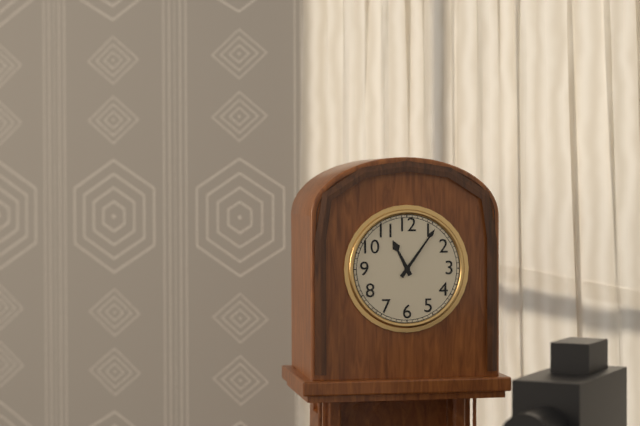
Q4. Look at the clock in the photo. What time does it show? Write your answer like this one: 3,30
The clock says 11,06
